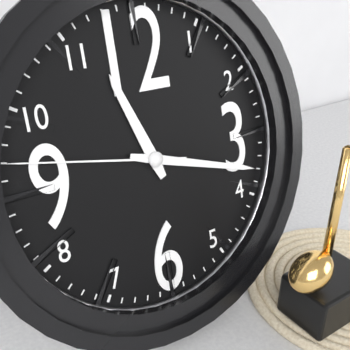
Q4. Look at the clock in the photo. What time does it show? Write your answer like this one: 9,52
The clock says 11,18
